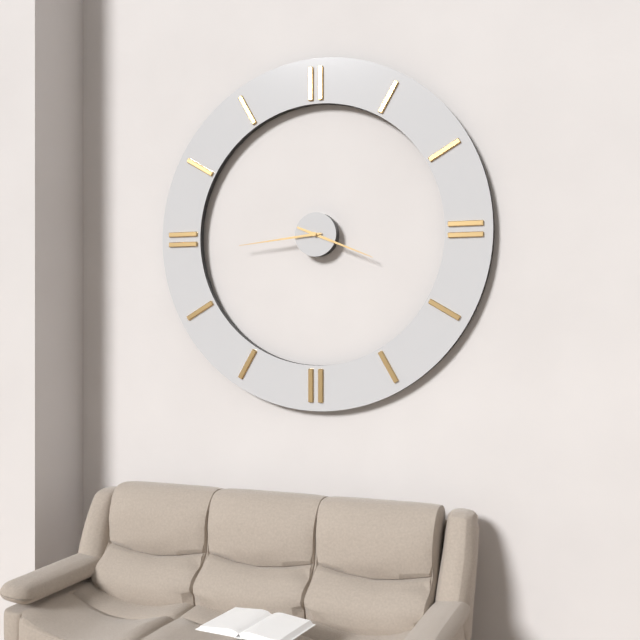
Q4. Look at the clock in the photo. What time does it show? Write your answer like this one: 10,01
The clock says 3,44
